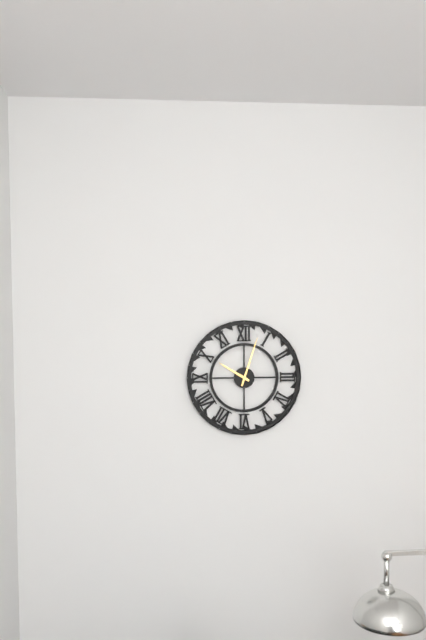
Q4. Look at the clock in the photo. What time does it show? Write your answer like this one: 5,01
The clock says 10,03
